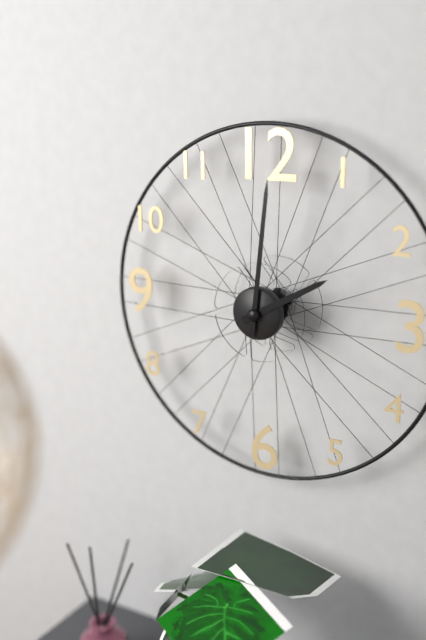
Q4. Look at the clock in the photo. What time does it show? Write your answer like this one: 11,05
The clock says 2,01
